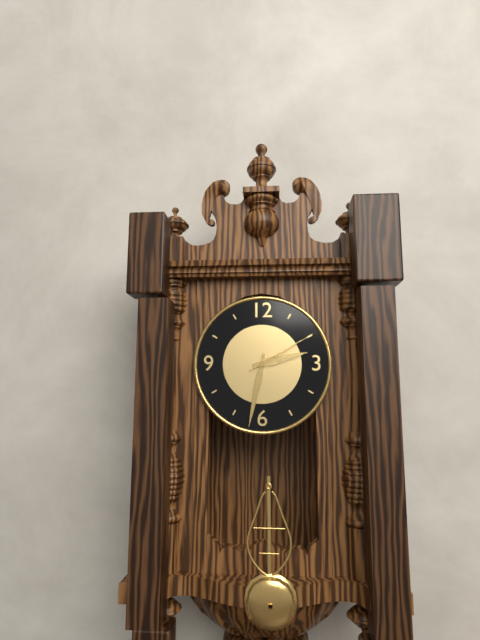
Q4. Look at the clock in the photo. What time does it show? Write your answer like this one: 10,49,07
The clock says 2,32,10
